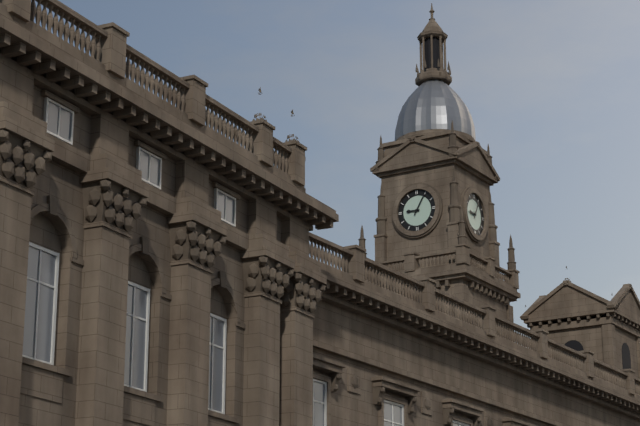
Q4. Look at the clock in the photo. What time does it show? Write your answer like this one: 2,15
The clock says 9,05
